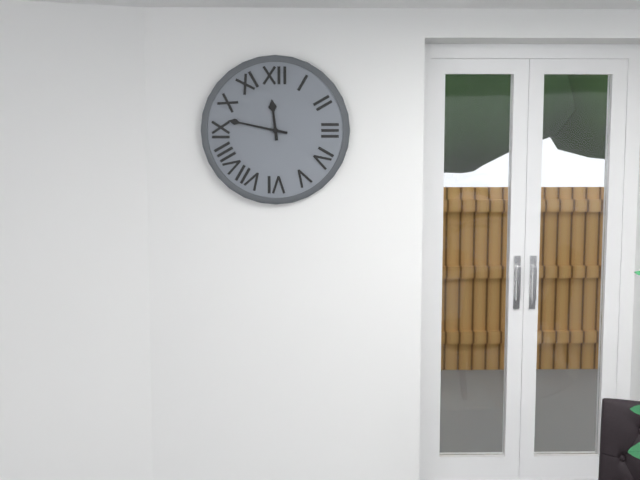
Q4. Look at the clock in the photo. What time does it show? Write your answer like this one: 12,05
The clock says 11,47
